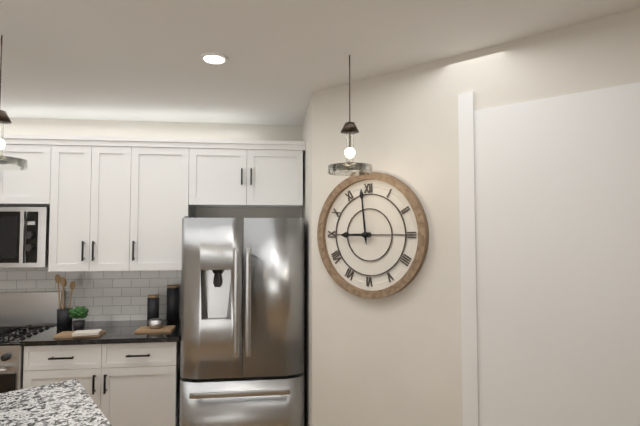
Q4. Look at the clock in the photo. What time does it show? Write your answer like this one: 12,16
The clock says 8,59
